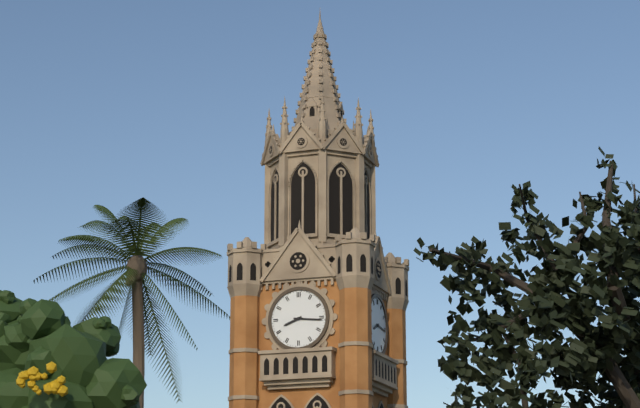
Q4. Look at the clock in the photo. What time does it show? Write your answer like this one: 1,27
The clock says 8,16
